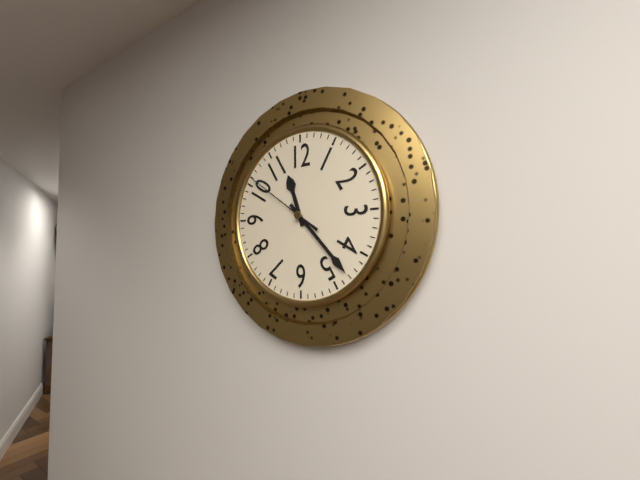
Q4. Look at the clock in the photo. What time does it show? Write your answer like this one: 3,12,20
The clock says 11,23,51
